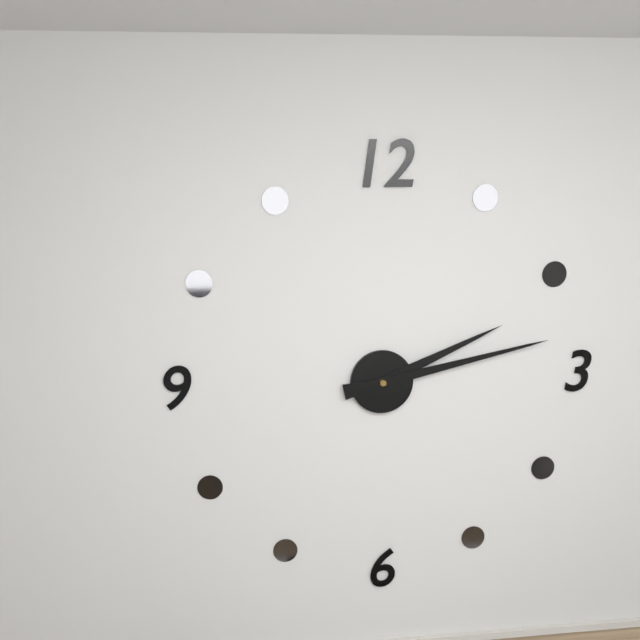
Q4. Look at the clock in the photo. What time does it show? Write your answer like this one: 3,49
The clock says 2,13
